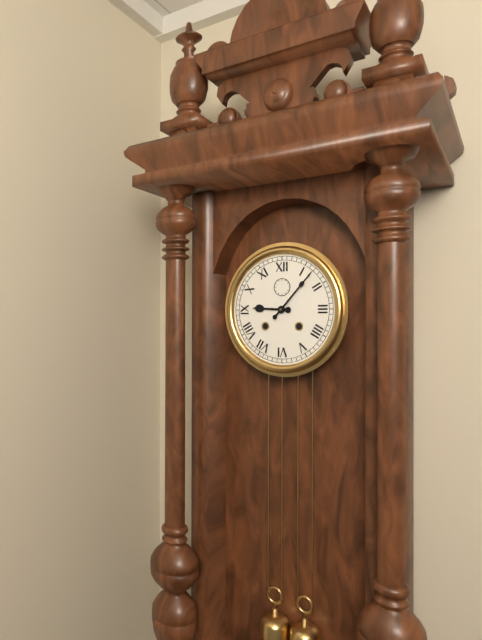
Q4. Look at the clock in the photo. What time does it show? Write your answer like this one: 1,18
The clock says 9,07
